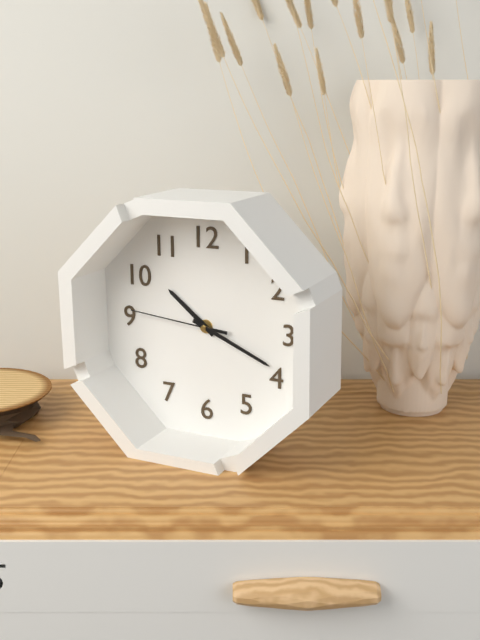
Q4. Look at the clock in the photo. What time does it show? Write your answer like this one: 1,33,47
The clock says 10,19,46
